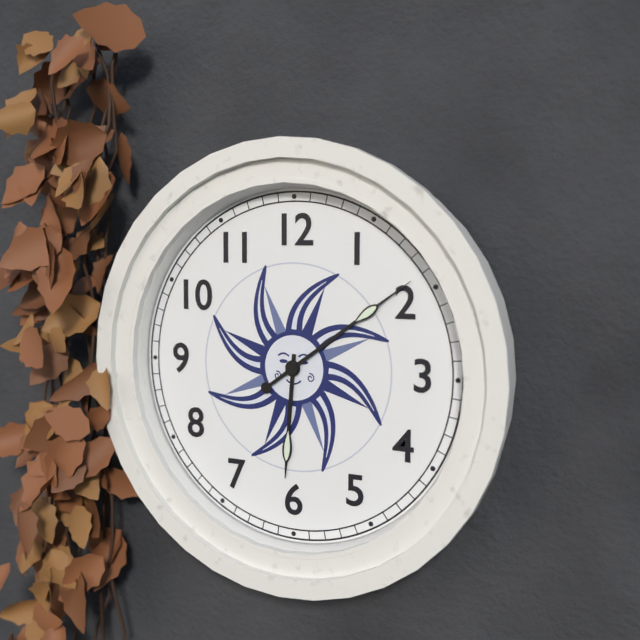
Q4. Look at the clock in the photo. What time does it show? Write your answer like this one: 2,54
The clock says 6,09
